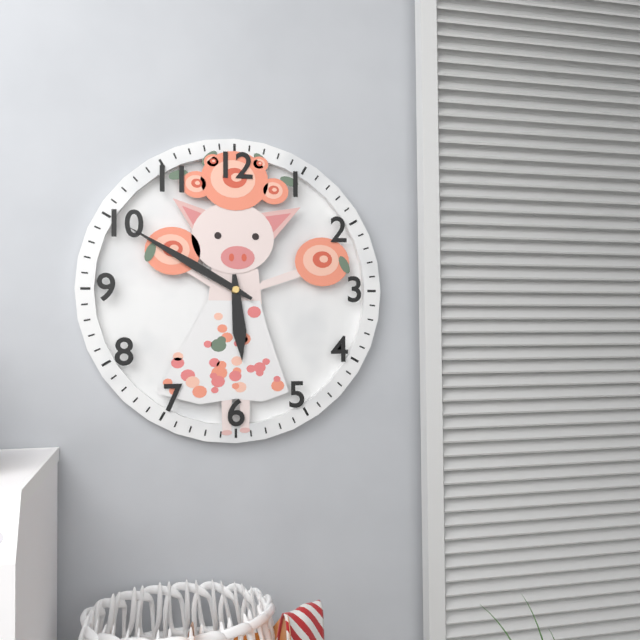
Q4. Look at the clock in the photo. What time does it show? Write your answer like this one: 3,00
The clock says 5,50
